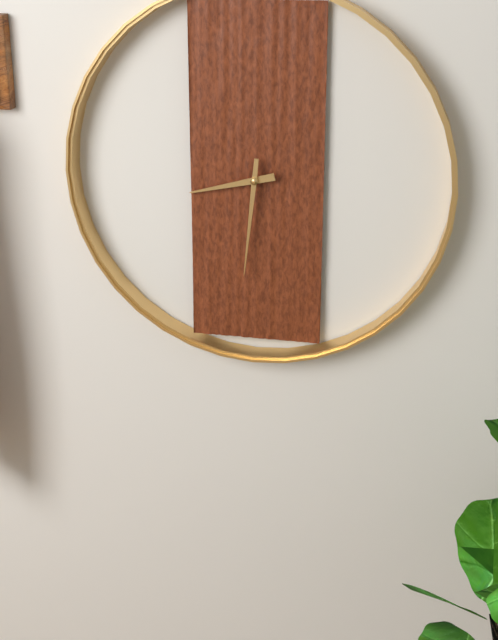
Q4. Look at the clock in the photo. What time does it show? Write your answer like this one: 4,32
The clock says 8,31
